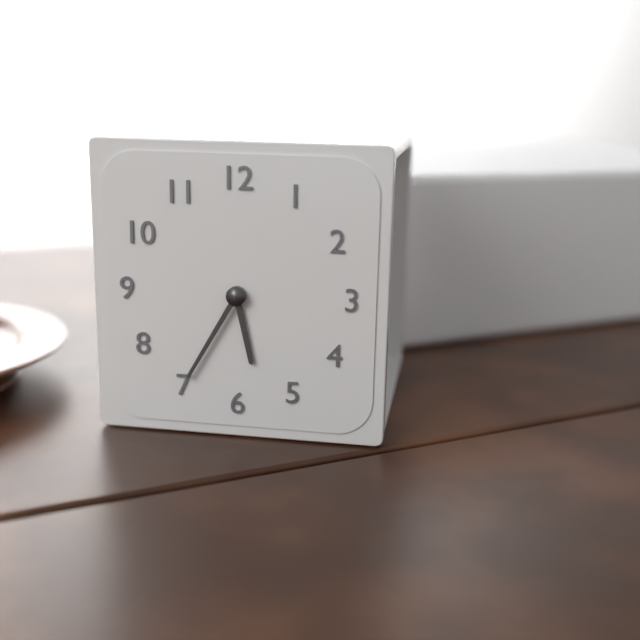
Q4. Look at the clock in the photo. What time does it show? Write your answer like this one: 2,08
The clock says 5,35
